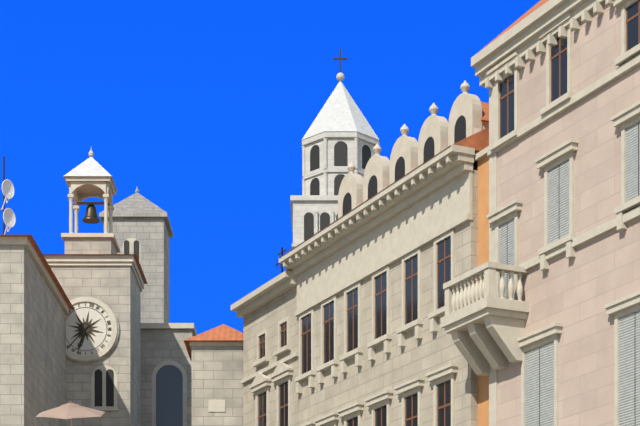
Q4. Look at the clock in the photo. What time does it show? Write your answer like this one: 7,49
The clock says 6,37
